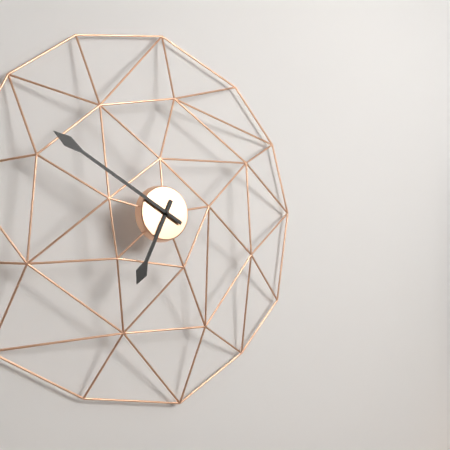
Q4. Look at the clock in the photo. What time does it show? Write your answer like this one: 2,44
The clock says 6,50
